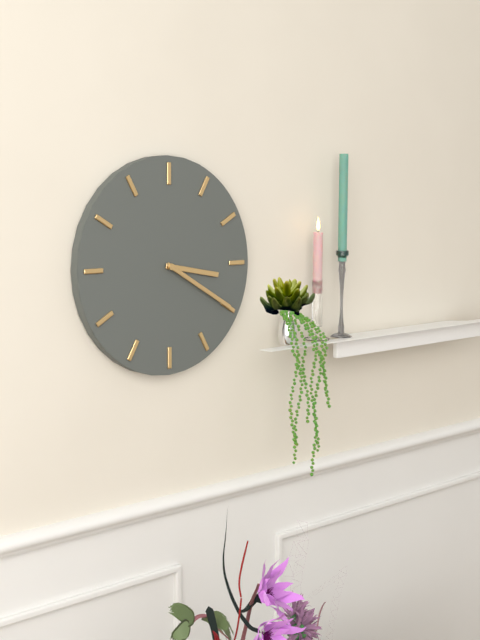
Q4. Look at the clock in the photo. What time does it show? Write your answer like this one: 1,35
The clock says 3,20
